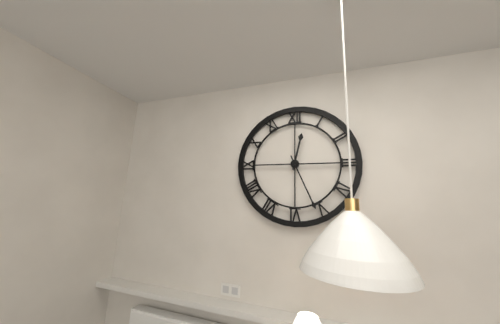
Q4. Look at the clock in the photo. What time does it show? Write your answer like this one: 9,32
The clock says 12,26
